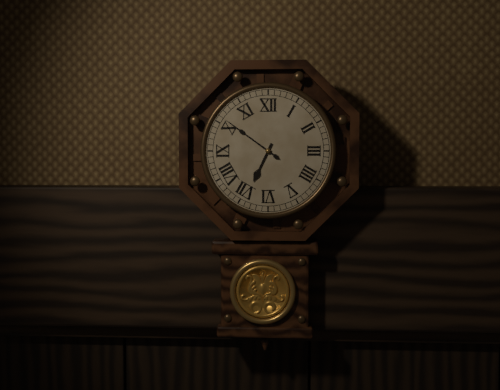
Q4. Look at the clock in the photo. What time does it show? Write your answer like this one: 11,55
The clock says 6,51
